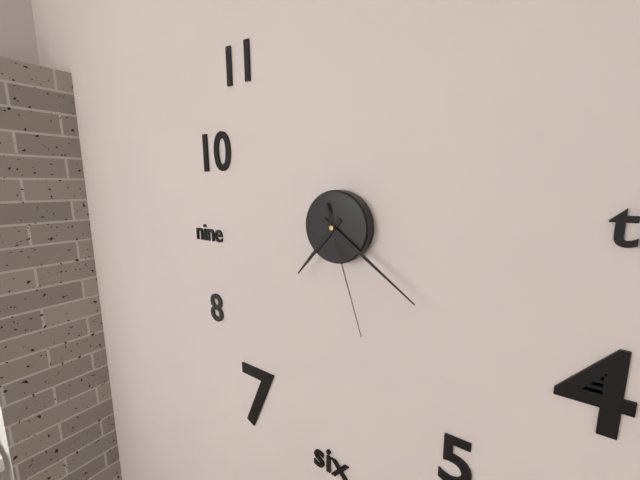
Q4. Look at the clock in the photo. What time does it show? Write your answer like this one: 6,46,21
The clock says 7,21,27
